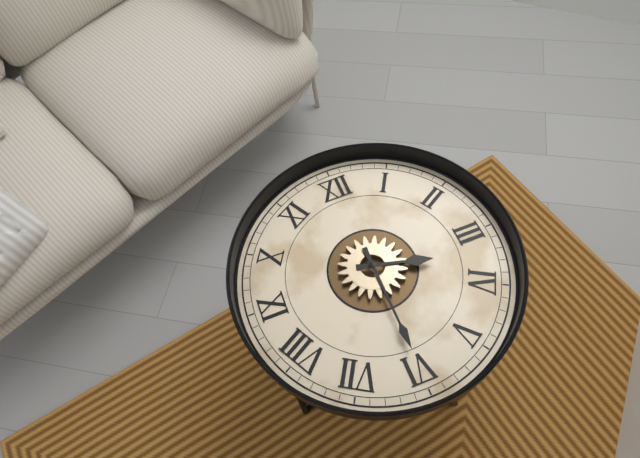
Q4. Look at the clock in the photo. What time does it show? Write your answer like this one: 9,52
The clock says 3,30
